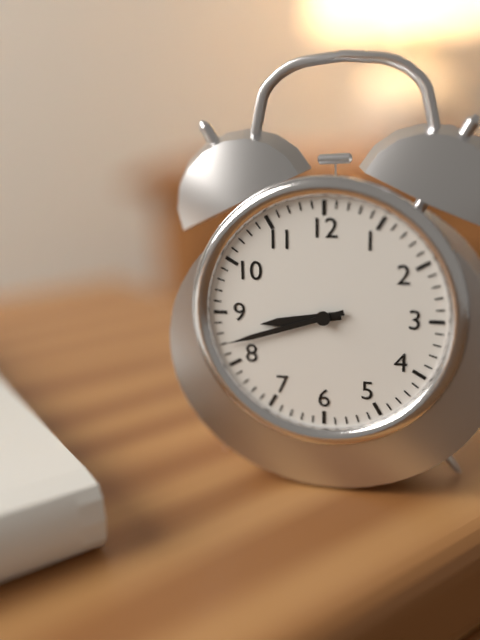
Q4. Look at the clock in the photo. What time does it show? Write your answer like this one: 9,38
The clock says 8,42
